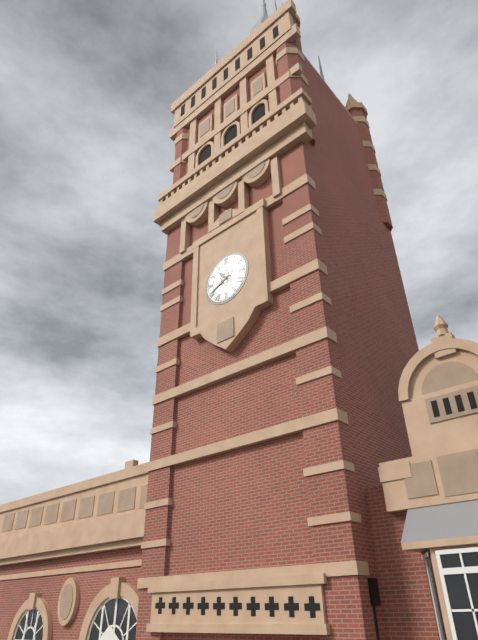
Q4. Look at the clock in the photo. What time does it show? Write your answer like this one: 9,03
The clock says 10,41
